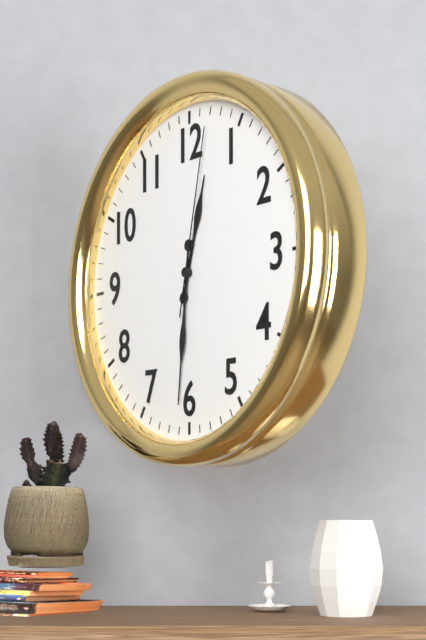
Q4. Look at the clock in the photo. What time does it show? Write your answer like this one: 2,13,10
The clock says 12,31,02
